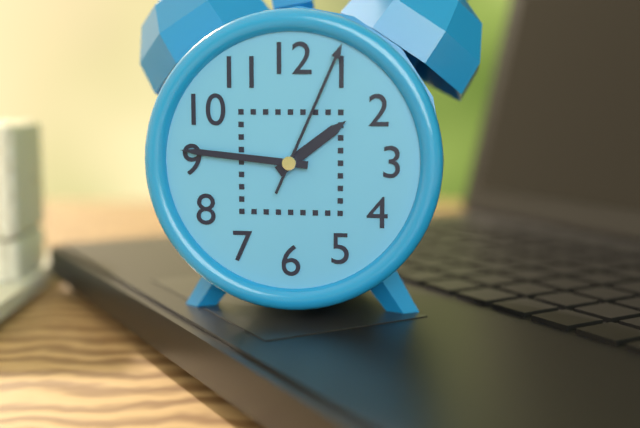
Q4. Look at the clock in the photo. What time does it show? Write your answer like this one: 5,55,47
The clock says 1,46,04
